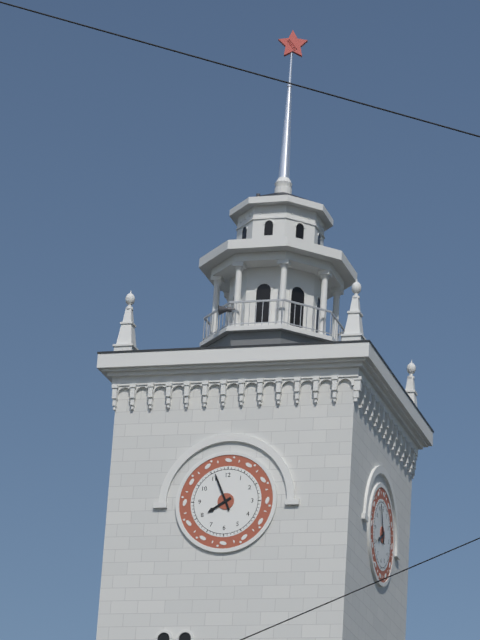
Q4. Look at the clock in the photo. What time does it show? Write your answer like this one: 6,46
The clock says 7,56
